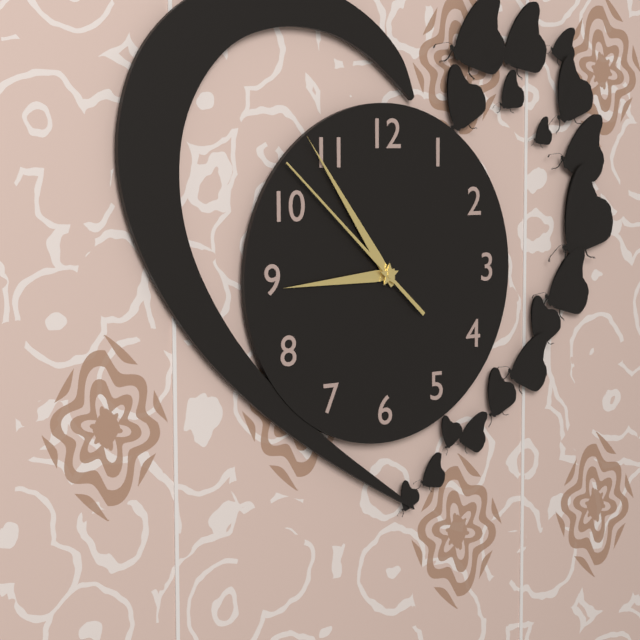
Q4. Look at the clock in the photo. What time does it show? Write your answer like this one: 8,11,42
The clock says 8,54,52
